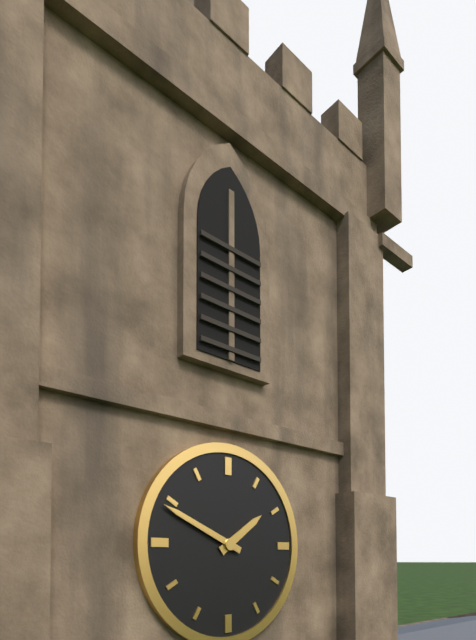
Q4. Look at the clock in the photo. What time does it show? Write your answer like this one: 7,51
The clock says 1,49
